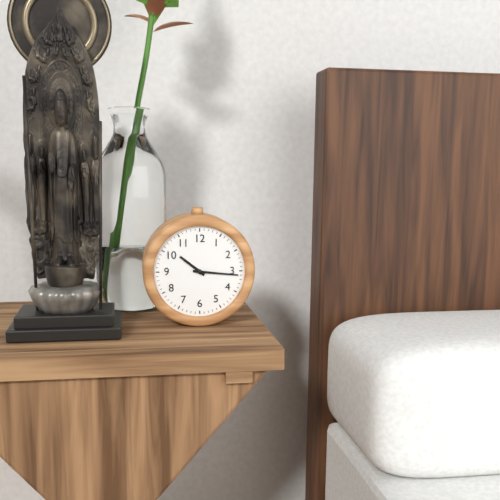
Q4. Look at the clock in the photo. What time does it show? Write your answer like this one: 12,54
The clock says 10,16
